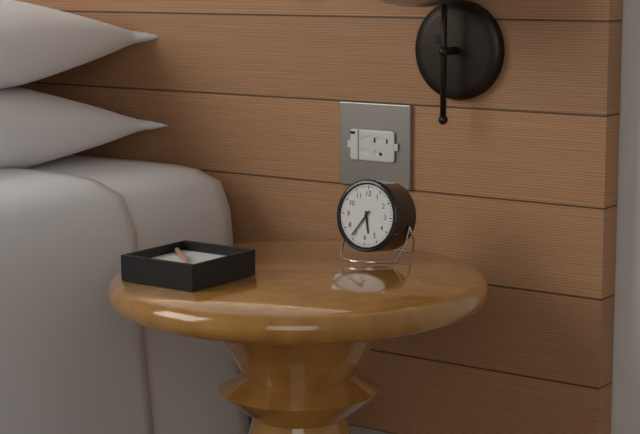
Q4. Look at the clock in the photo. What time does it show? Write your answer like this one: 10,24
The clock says 5,36
